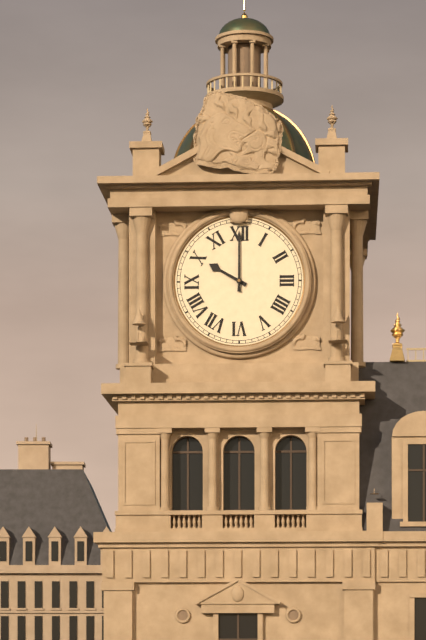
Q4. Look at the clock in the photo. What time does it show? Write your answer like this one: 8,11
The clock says 10,00
